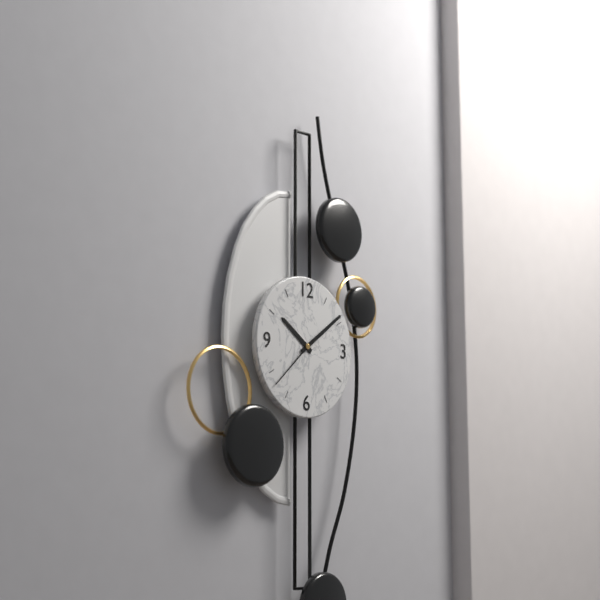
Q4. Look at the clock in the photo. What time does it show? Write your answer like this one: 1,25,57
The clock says 10,09,38
